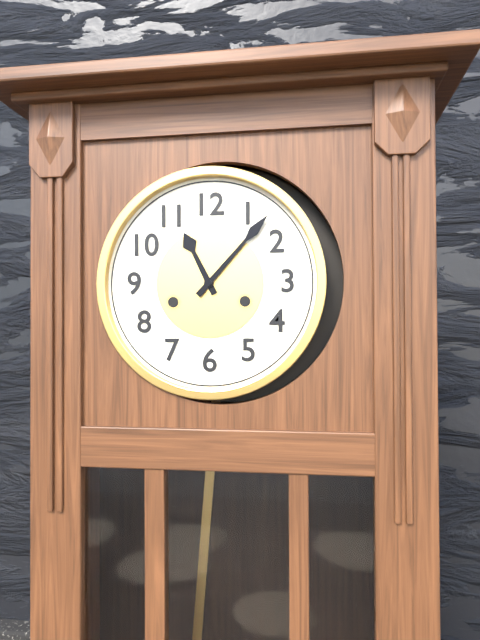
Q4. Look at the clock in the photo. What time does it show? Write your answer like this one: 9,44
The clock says 11,07
